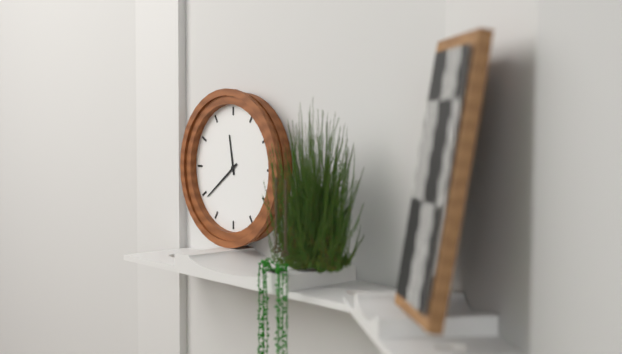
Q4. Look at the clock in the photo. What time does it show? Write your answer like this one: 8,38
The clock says 11,39
